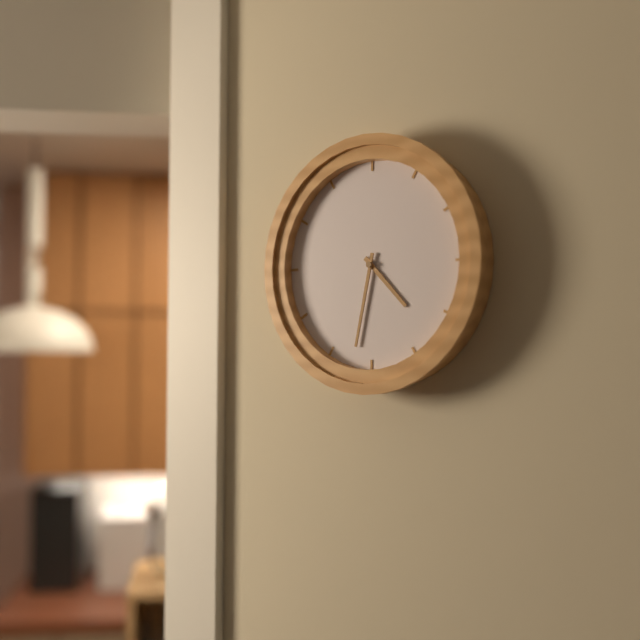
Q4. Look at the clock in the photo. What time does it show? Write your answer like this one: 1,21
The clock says 4,32
